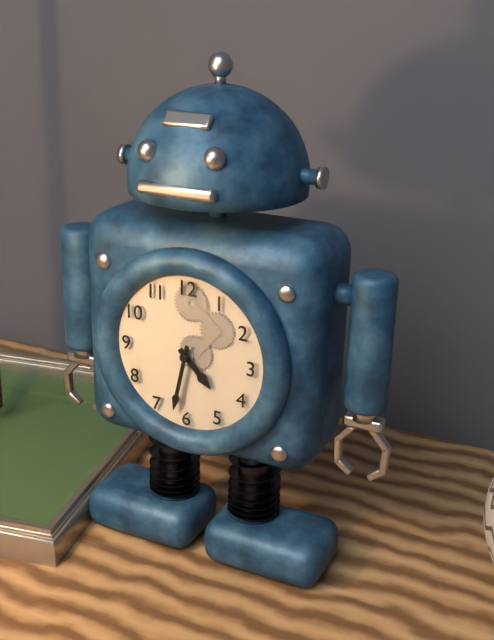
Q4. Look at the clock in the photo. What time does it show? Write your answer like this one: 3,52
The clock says 4,32
